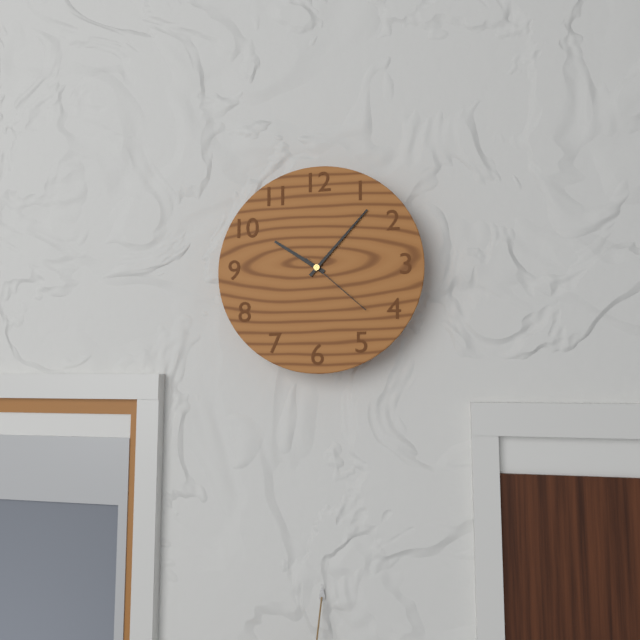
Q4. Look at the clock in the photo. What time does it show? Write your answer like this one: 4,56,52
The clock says 10,07,22
